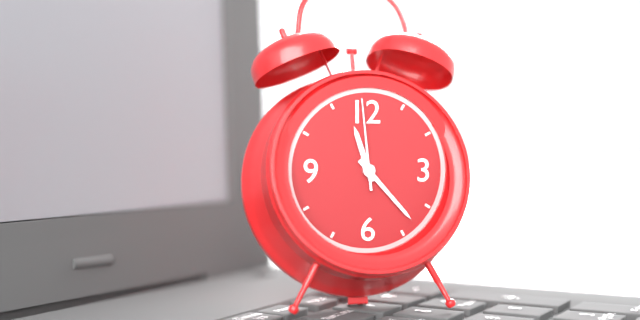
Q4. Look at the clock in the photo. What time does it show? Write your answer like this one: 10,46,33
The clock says 11,23,59
